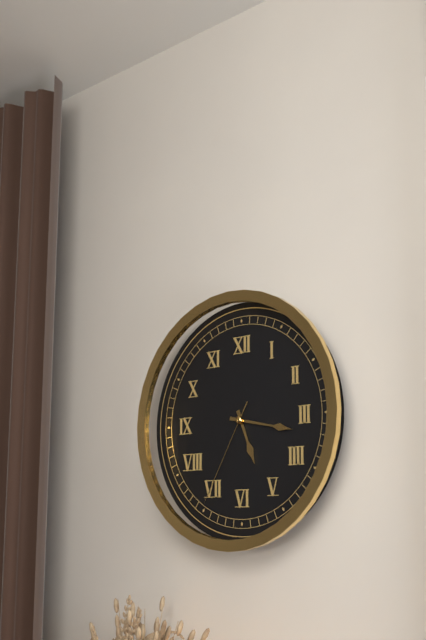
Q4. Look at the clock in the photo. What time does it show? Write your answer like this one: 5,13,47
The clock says 5,17,35
